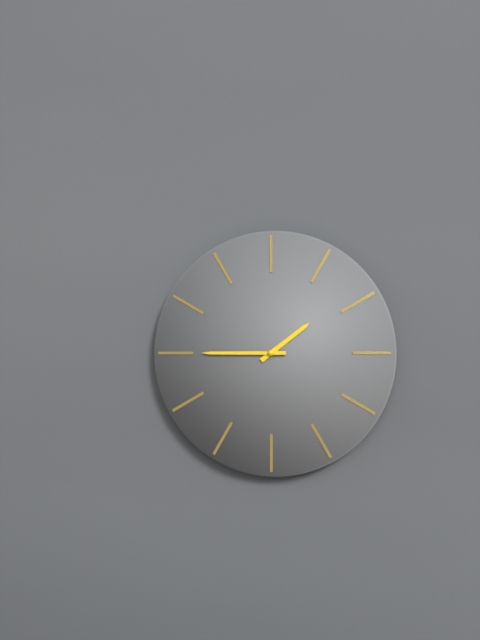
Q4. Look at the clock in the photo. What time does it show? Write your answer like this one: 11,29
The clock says 1,45
